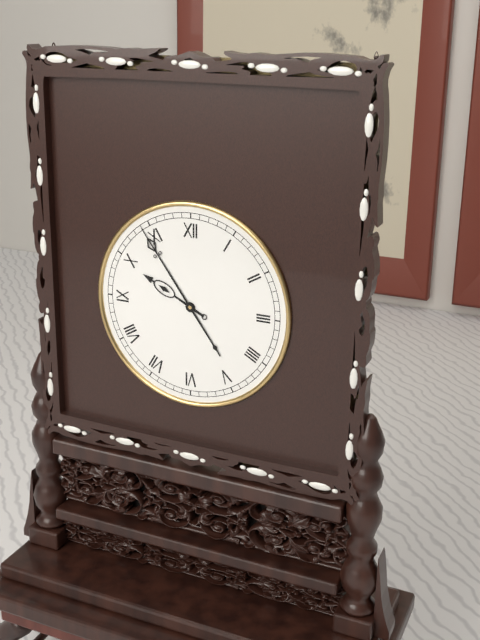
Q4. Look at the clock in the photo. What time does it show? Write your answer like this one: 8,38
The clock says 9,54
